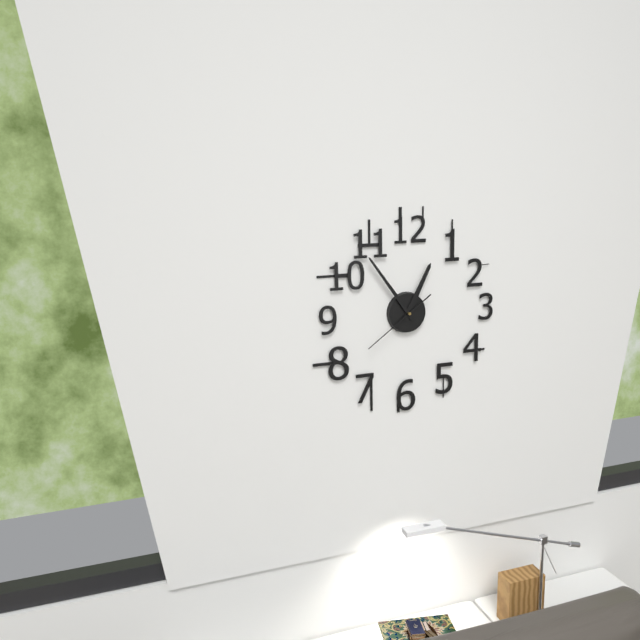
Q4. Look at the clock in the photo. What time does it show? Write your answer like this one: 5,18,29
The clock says 12,54,39
